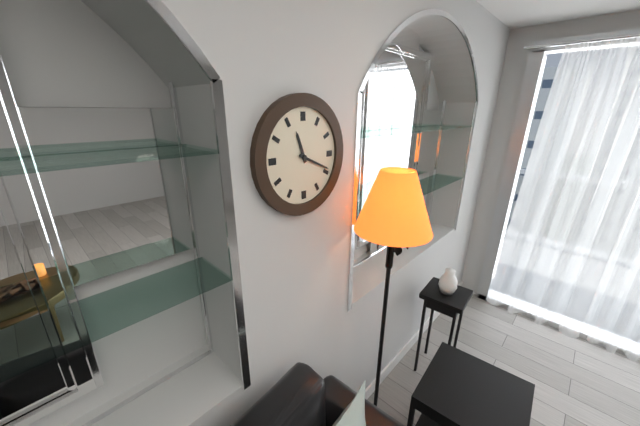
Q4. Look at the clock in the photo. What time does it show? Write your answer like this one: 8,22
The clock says 11,19
